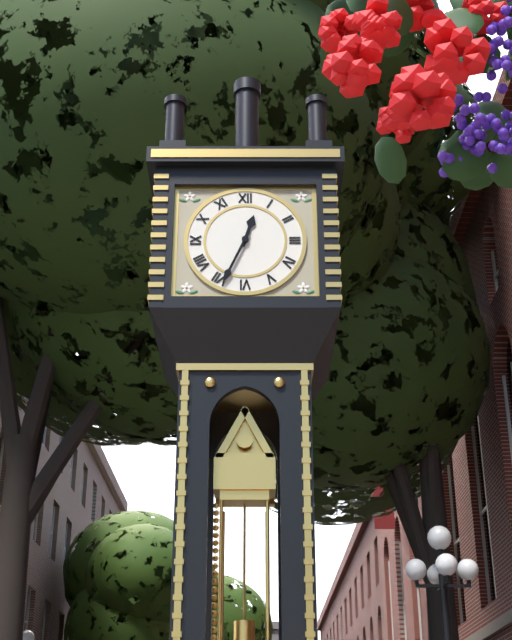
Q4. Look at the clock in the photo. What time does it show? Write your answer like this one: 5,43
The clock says 12,34
